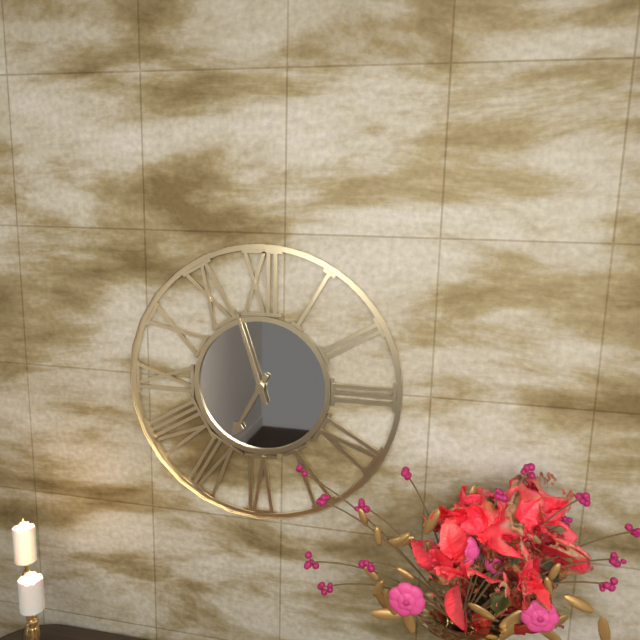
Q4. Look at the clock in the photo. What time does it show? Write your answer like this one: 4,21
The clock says 6,57
